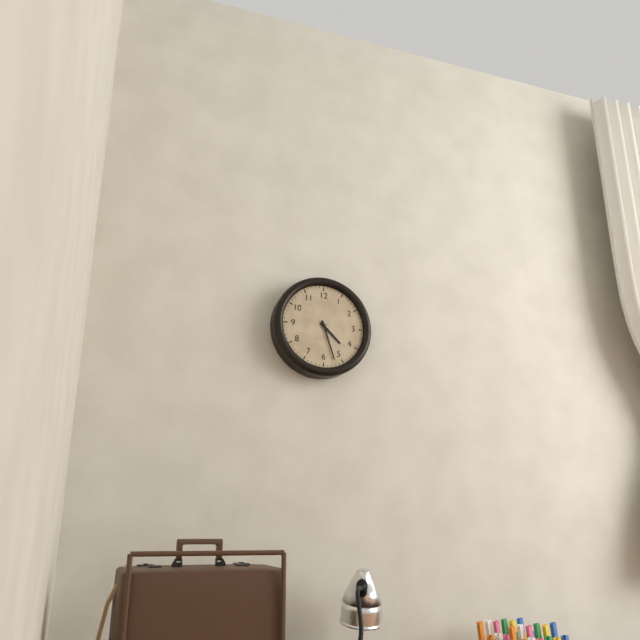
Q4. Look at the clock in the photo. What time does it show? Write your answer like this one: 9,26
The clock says 4,27
